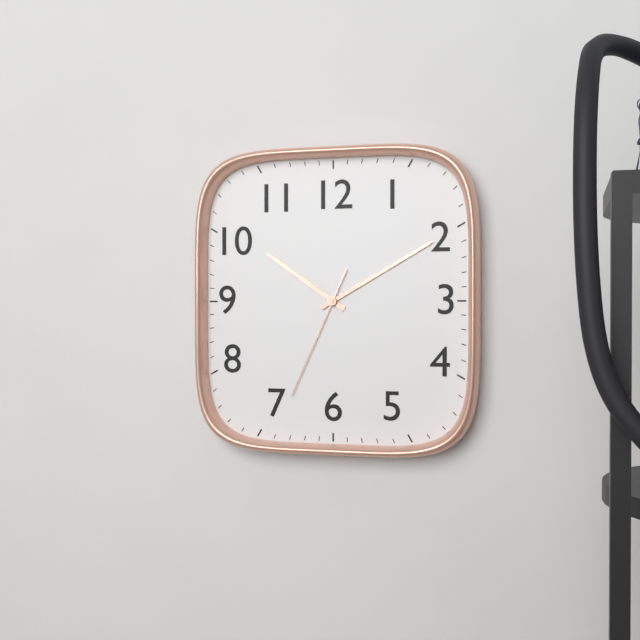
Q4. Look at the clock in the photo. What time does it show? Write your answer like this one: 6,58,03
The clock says 10,10,34
